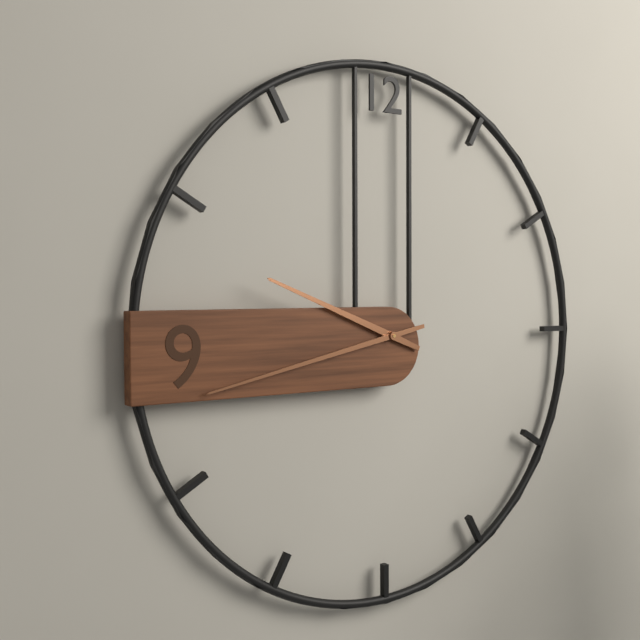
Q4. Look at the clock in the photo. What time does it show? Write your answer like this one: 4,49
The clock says 9,43
